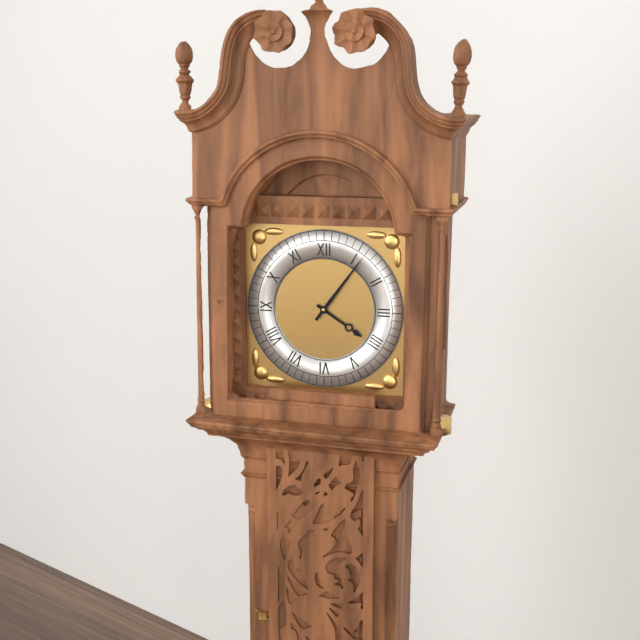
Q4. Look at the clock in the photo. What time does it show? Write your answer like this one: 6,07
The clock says 4,06
